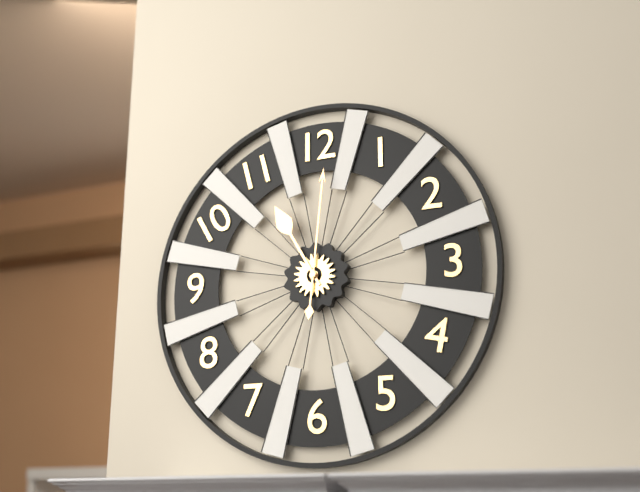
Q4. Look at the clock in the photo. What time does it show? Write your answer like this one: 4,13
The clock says 11,01
